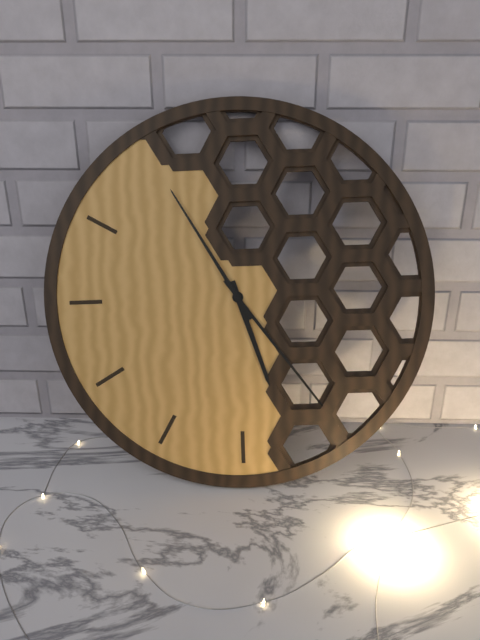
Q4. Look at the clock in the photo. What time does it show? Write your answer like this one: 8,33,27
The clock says 5,24,55
